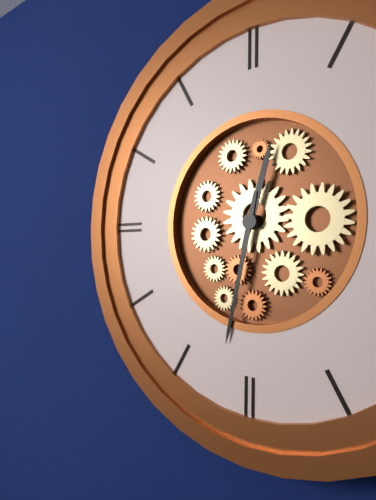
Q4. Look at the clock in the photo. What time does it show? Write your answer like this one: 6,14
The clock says 12,32
